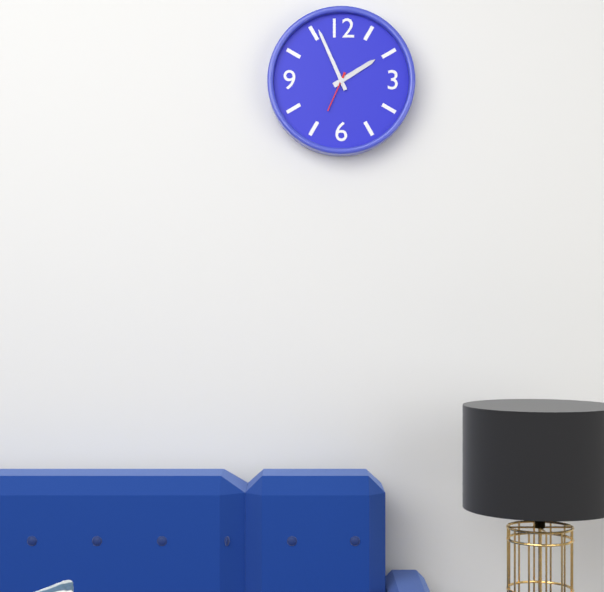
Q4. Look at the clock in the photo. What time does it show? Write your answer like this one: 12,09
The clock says 1,56
